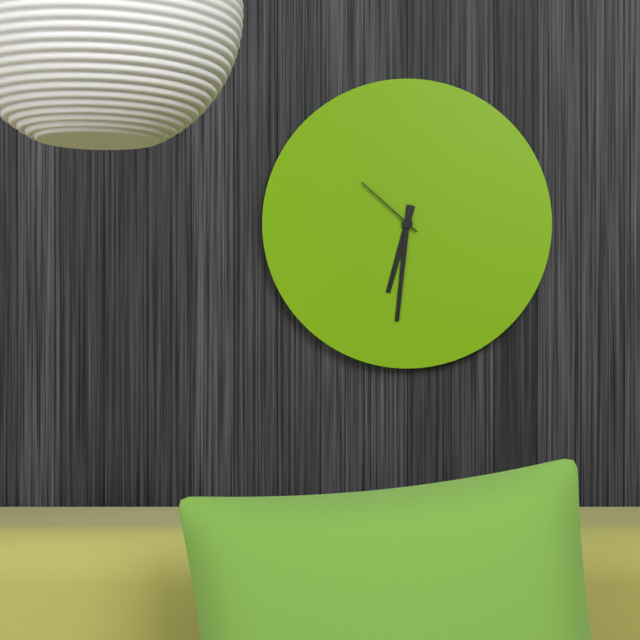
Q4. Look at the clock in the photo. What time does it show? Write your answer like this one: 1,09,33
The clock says 6,31,52
